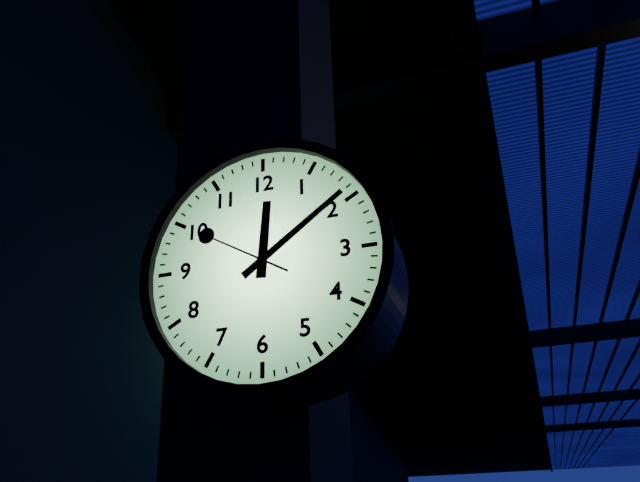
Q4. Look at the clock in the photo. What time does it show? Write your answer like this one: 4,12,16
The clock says 12,09,50
